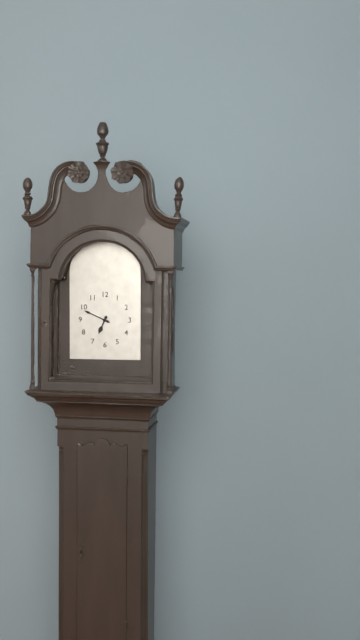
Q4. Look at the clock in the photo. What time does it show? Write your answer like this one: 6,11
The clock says 6,49
